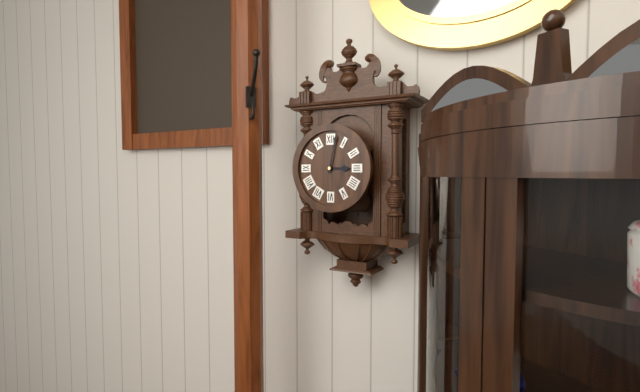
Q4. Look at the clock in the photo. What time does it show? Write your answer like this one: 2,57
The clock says 3,02
